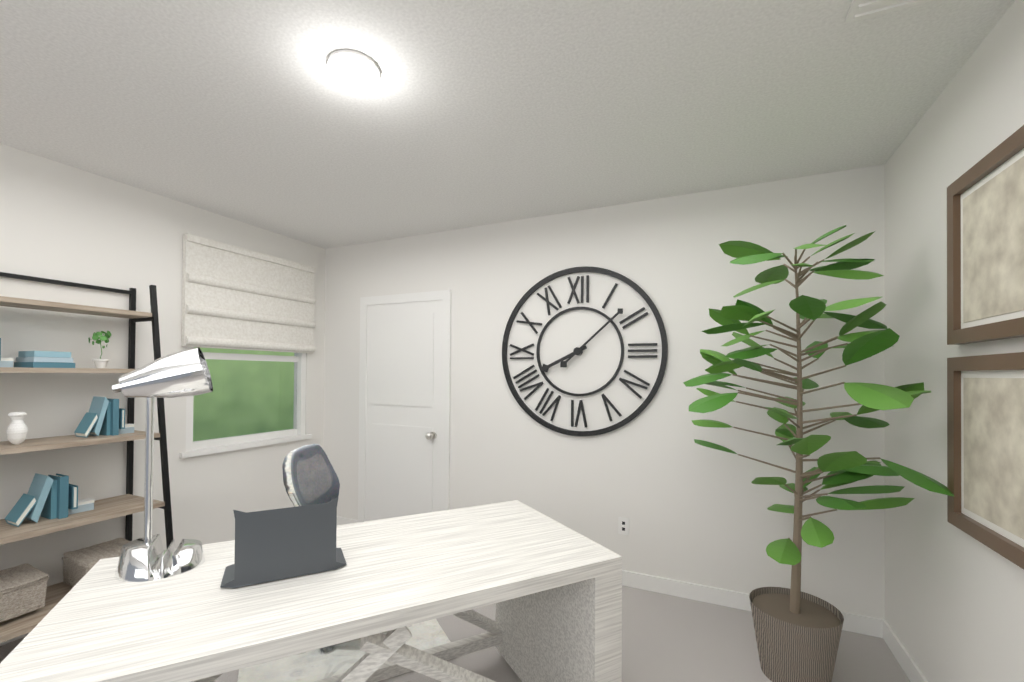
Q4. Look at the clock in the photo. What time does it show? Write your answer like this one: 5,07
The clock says 8,08
